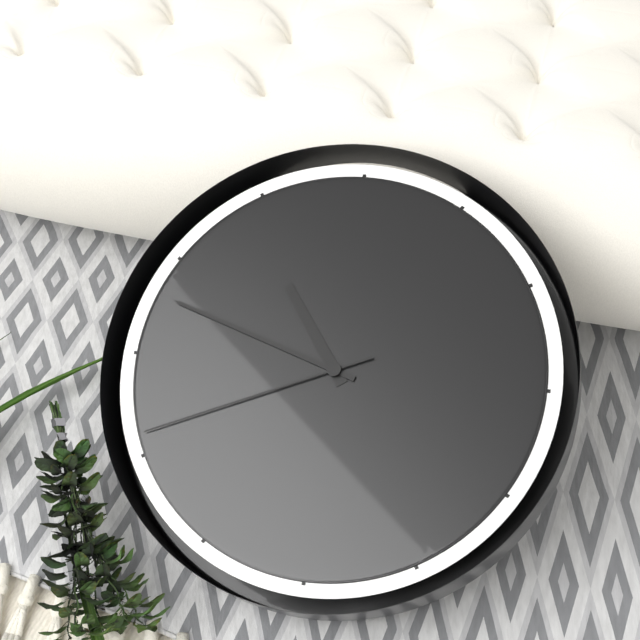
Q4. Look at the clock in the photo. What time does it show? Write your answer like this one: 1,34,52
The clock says 10,48,41
